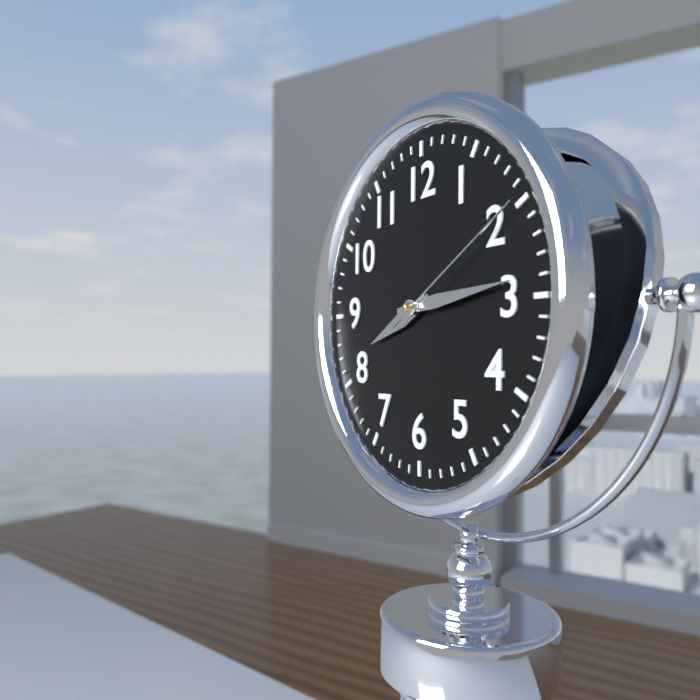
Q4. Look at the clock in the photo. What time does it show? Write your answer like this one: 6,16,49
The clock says 8,14,10
